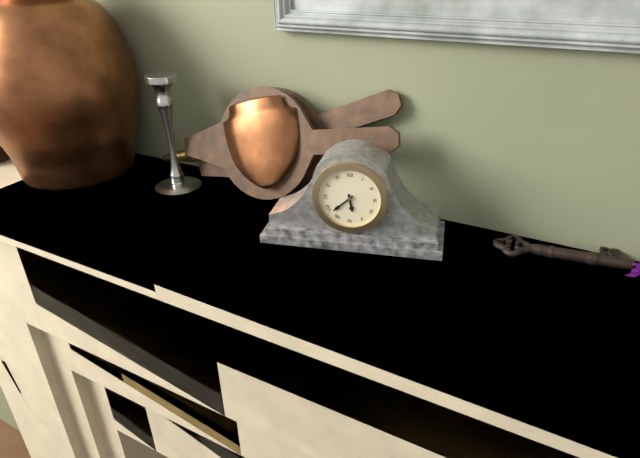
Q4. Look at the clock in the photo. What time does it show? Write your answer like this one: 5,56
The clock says 5,38
